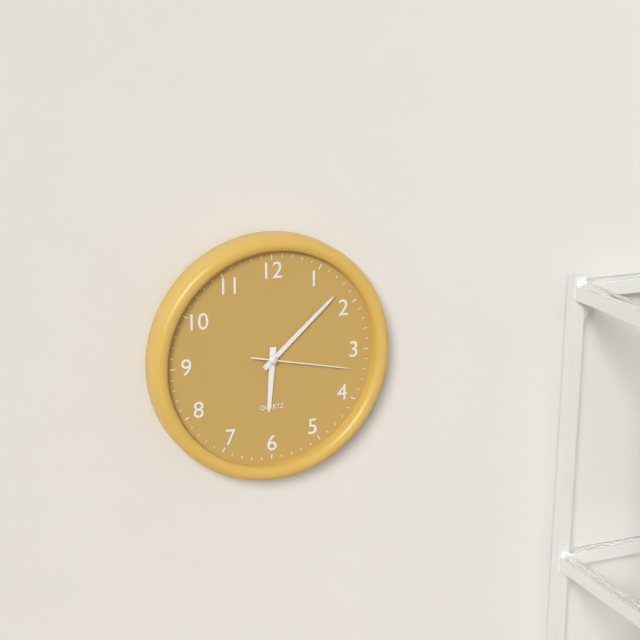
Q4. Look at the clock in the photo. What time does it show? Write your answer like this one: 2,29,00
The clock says 6,08,17
